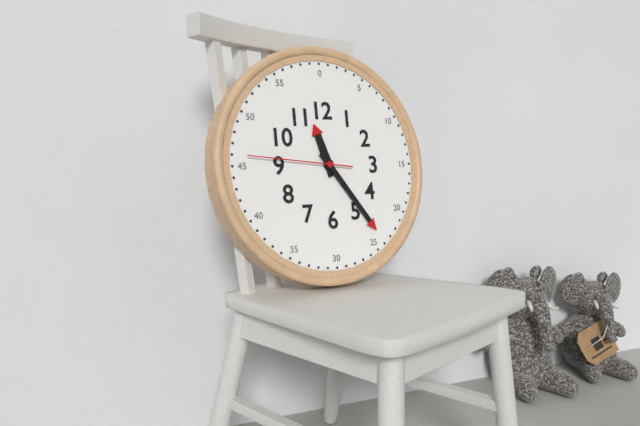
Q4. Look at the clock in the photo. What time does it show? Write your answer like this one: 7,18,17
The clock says 11,24,46
